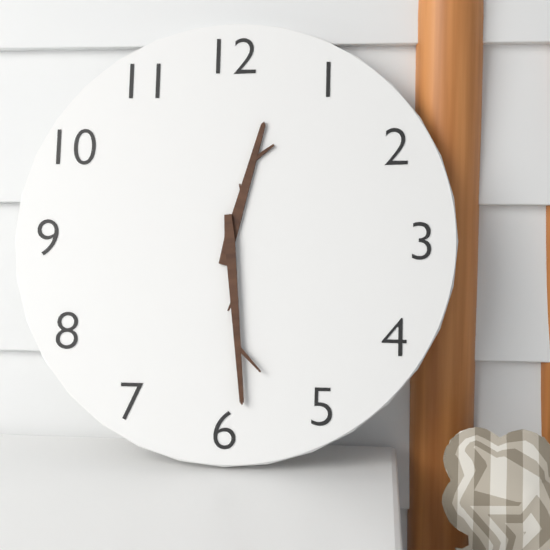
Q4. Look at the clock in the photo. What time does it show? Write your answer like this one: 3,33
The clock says 12,29
